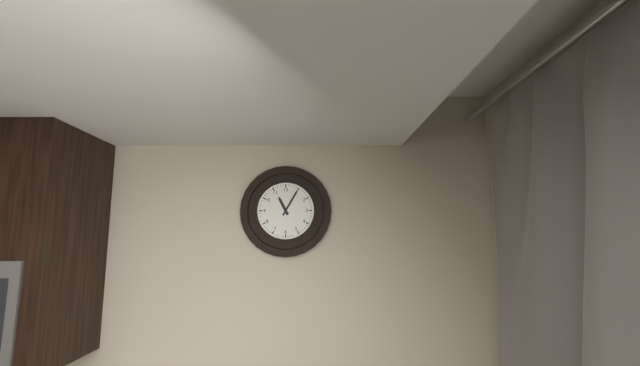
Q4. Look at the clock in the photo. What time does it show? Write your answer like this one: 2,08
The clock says 11,05
